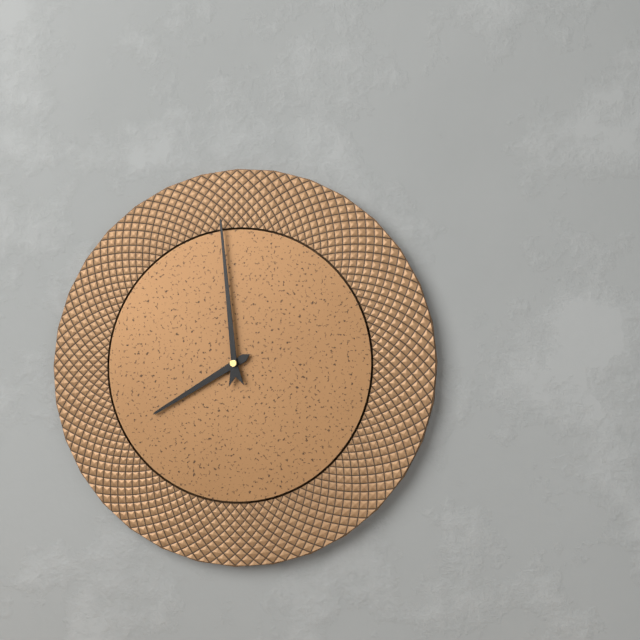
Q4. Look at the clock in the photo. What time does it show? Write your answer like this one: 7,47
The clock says 7,59
